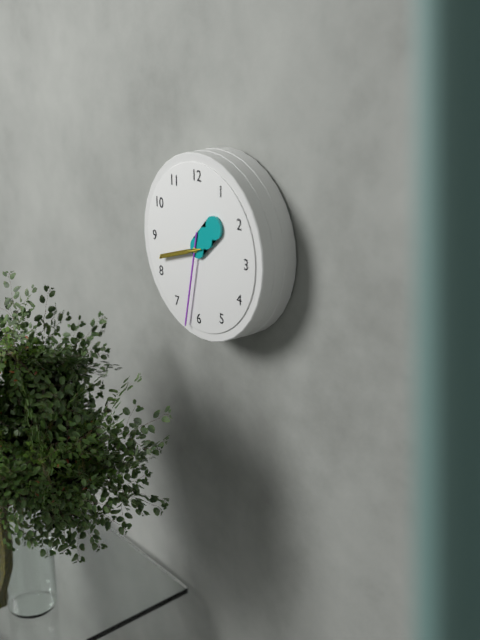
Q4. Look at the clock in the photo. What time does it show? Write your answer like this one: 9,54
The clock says 1,32
